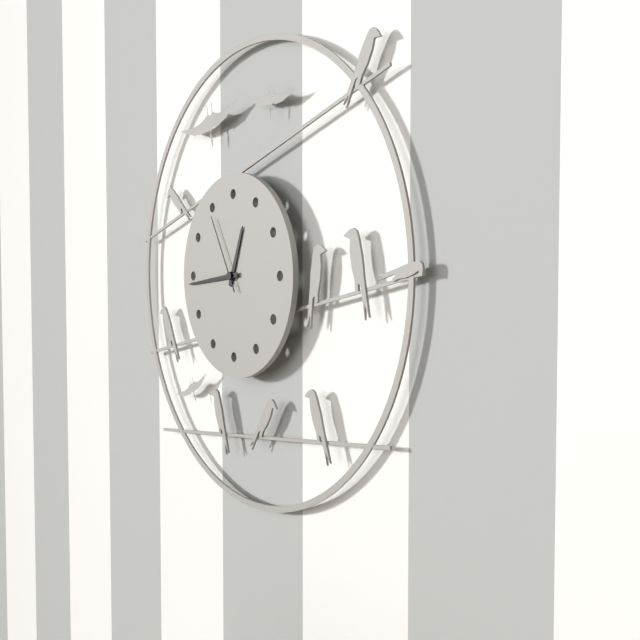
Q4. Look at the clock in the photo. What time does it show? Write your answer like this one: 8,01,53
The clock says 12,44,55
